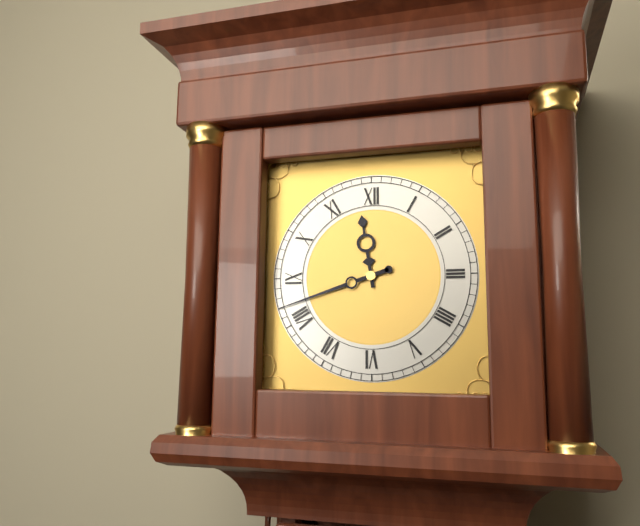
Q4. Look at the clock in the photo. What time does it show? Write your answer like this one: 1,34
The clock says 11,42
